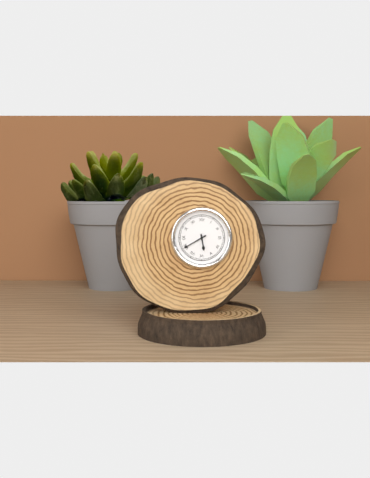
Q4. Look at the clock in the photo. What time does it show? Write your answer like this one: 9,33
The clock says 5,40
